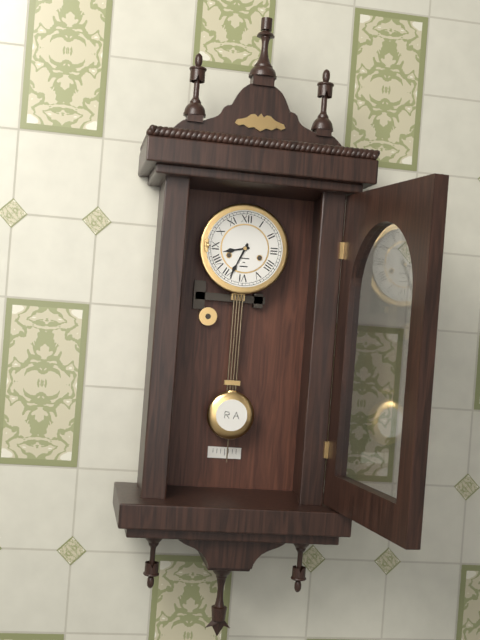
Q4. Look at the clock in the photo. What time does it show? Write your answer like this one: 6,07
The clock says 8,34
